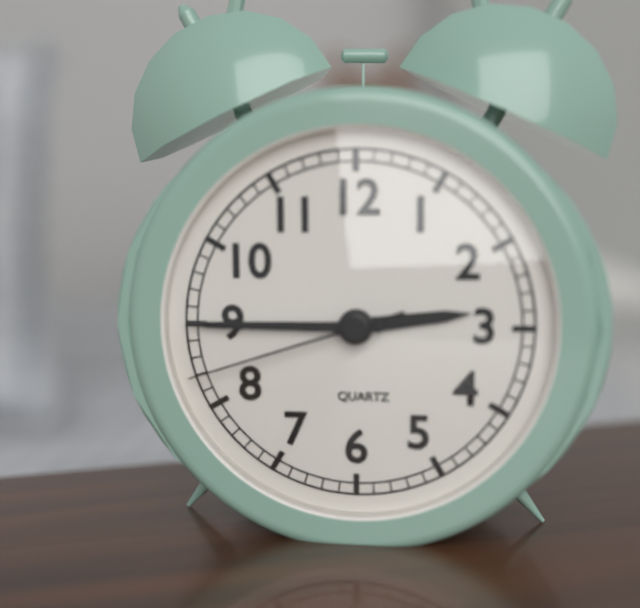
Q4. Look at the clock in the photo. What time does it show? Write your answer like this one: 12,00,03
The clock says 2,45,42
